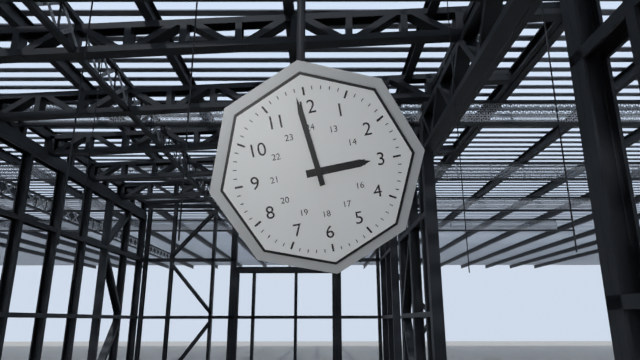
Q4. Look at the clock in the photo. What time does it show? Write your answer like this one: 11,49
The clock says 2,59
